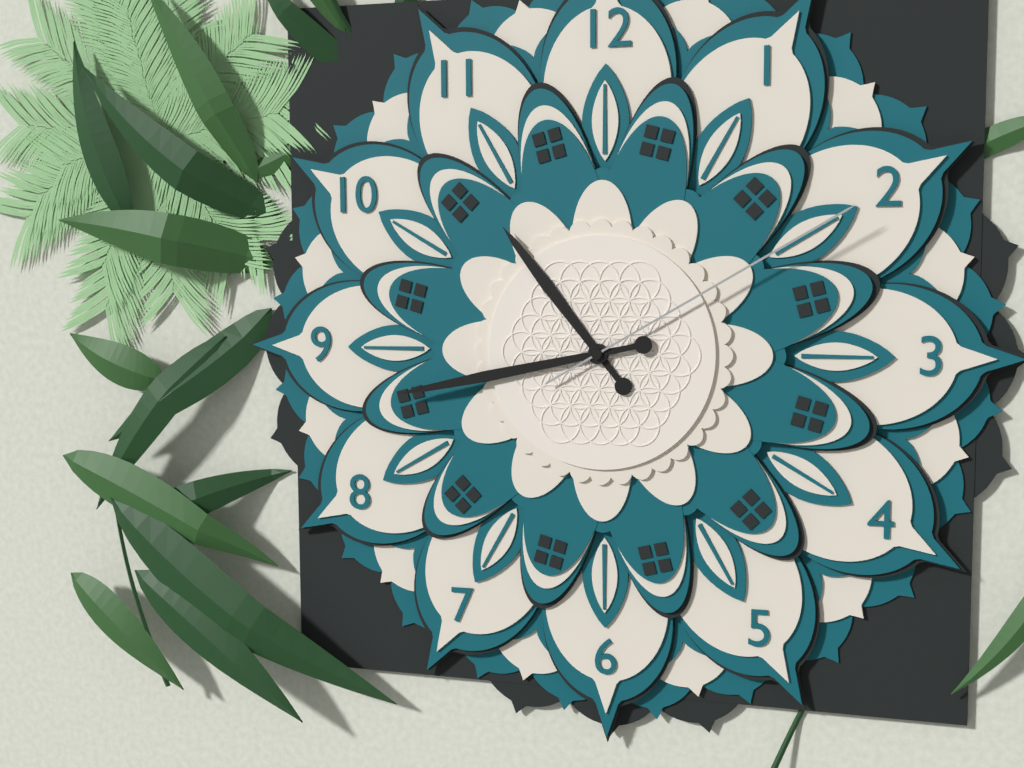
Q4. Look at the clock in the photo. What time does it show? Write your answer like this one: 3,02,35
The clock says 10,43,10
